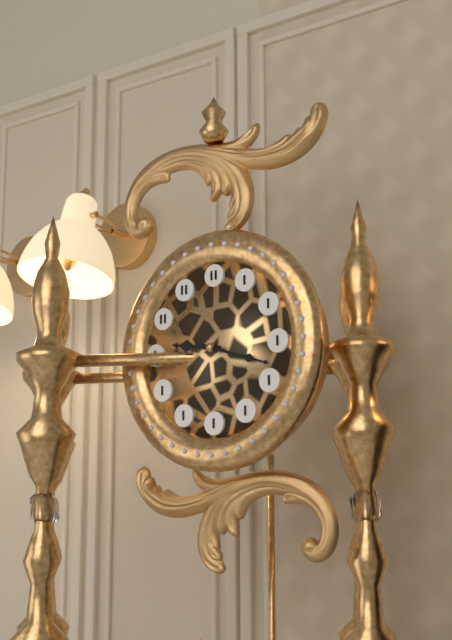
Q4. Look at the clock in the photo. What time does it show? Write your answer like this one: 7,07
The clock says 9,18
